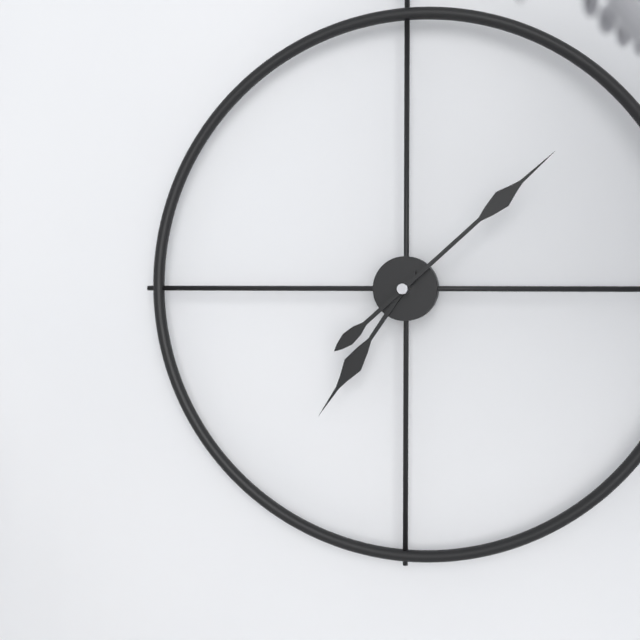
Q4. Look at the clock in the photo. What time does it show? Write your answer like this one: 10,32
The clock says 7,08
